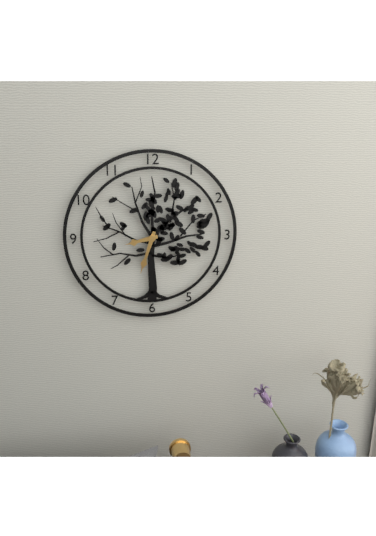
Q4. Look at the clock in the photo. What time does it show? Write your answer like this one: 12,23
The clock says 8,33
